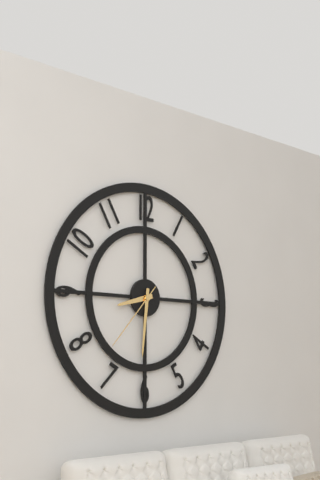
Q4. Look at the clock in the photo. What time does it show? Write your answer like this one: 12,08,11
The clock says 8,31,37
